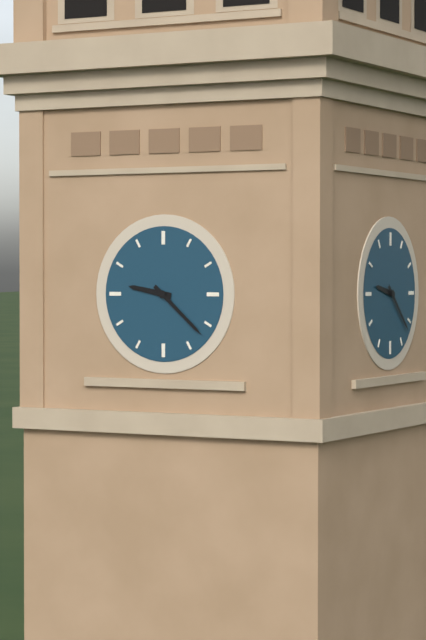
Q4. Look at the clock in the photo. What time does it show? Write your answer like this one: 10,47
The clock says 9,22
